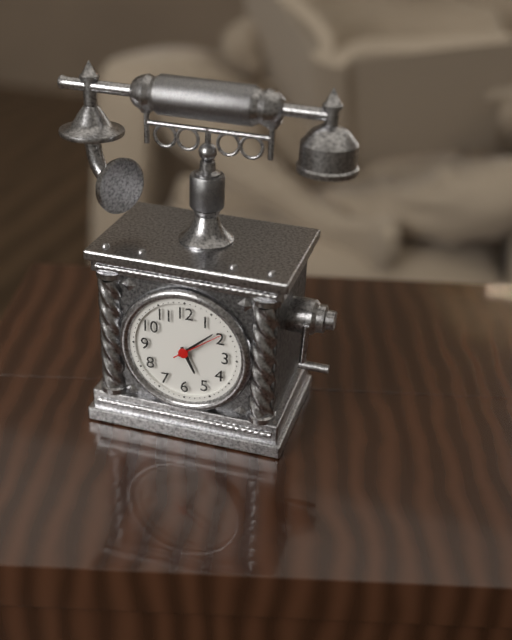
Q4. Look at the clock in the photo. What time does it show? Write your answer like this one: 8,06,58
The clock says 5,08,09
